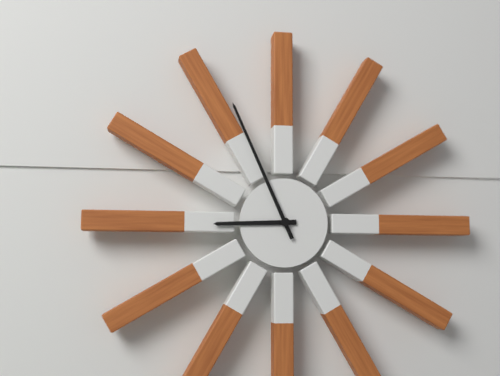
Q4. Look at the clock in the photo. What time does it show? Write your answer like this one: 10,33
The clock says 8,56
